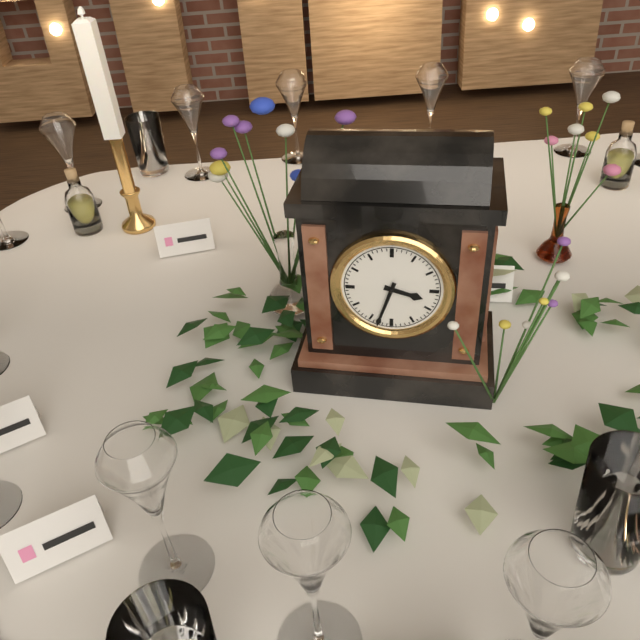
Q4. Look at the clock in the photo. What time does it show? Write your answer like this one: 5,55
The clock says 3,33
